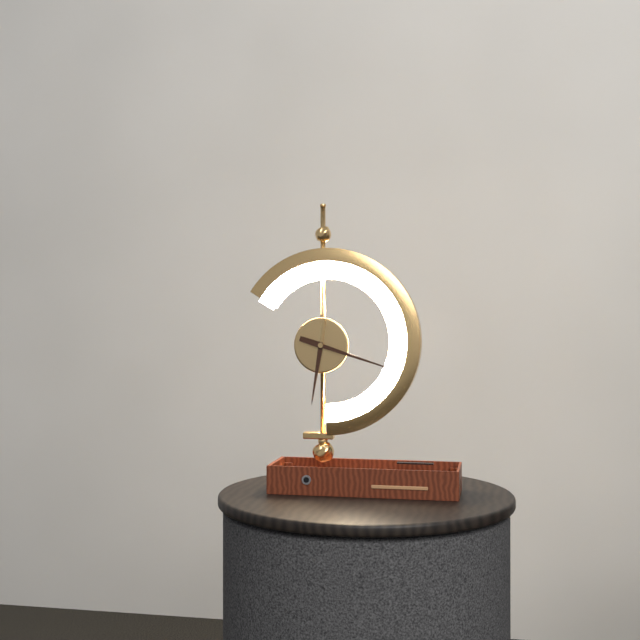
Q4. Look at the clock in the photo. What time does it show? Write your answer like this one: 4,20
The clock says 6,18
